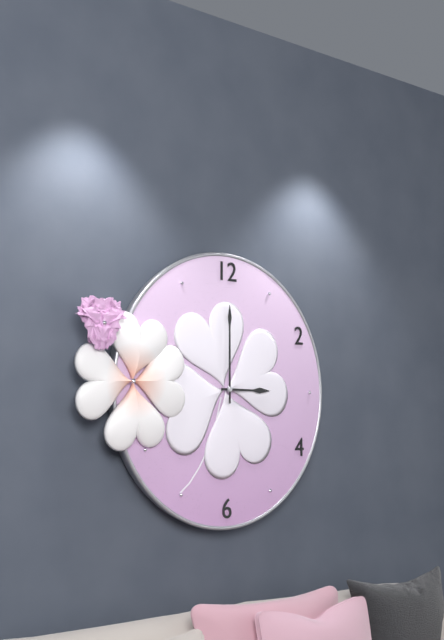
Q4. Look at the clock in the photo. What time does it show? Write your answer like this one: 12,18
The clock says 3,00
